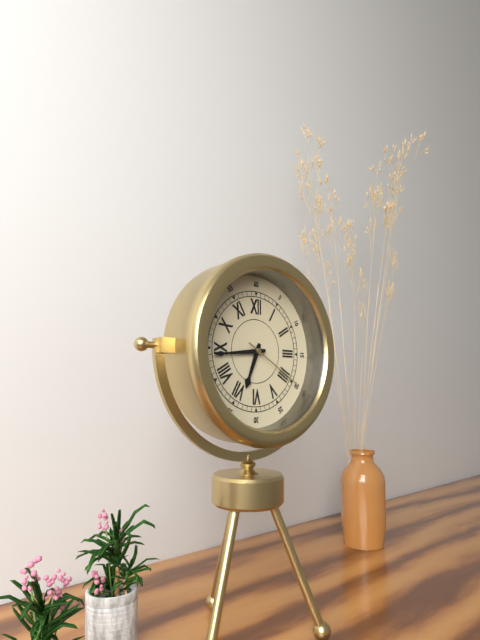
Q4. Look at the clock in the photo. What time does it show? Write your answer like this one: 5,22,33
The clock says 6,44,20
